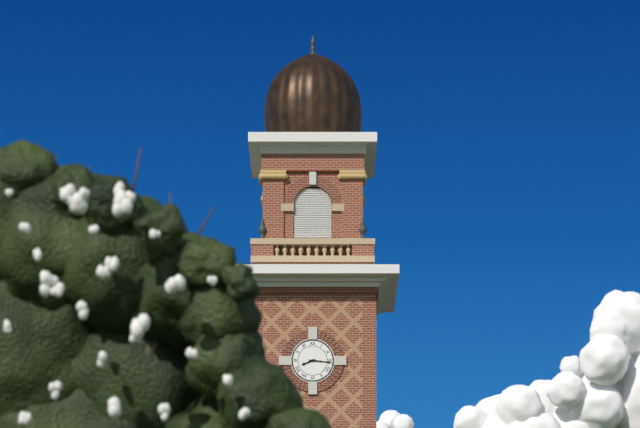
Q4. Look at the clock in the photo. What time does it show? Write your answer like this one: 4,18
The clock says 8,16
